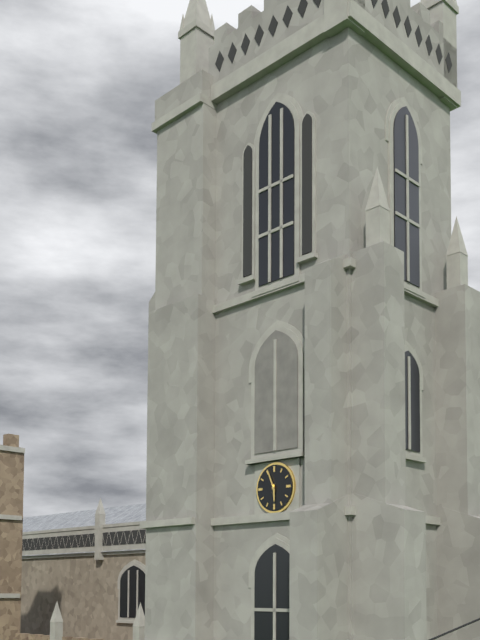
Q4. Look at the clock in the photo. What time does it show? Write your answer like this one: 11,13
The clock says 5,56
